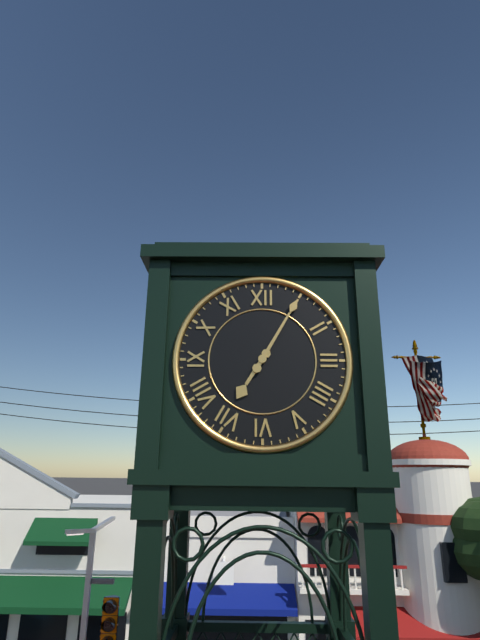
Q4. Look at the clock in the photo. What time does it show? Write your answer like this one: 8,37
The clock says 7,05
